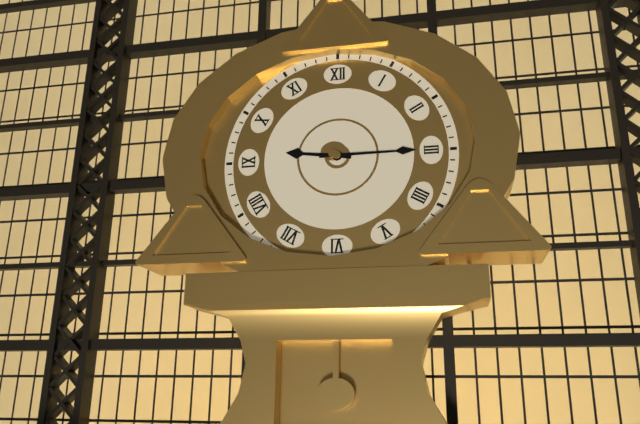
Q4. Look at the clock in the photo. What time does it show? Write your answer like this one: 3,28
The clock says 9,15
